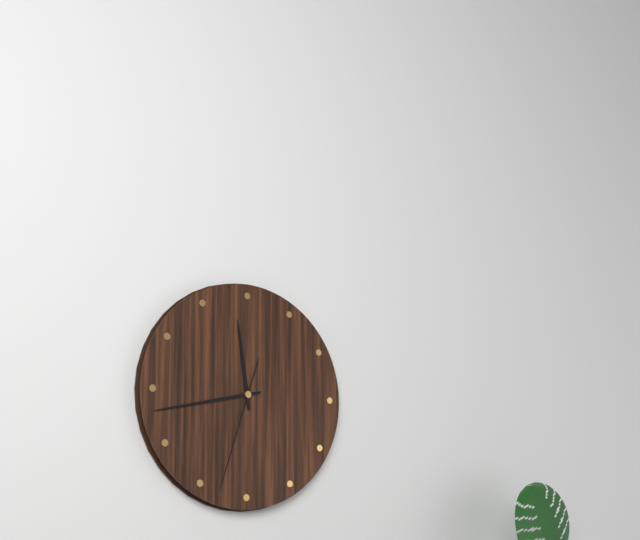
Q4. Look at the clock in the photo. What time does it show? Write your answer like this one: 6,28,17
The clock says 11,43,33
